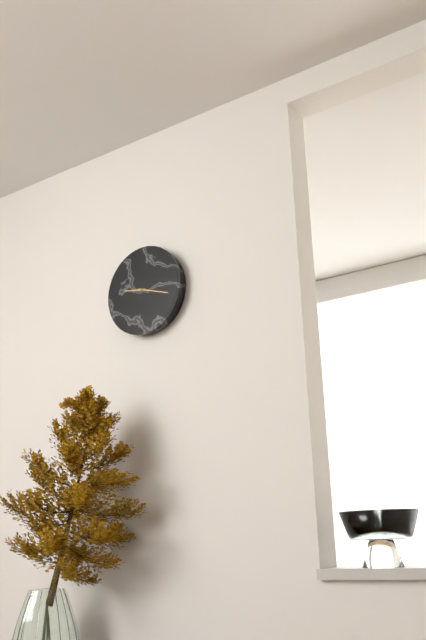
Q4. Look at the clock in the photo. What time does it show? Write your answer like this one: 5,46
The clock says 9,18
